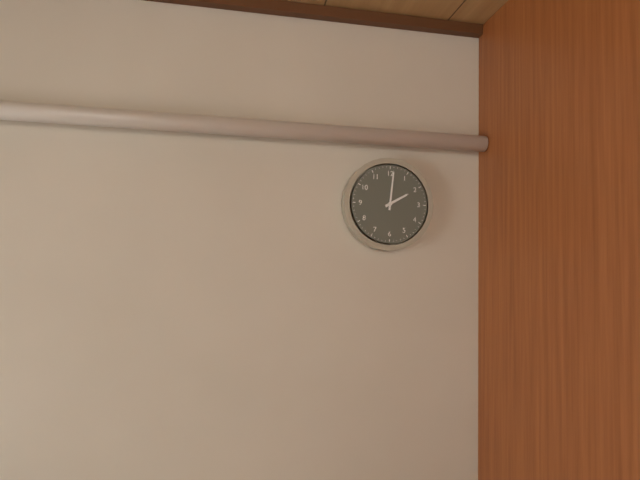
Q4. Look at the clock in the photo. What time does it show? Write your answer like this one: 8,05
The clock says 2,01
